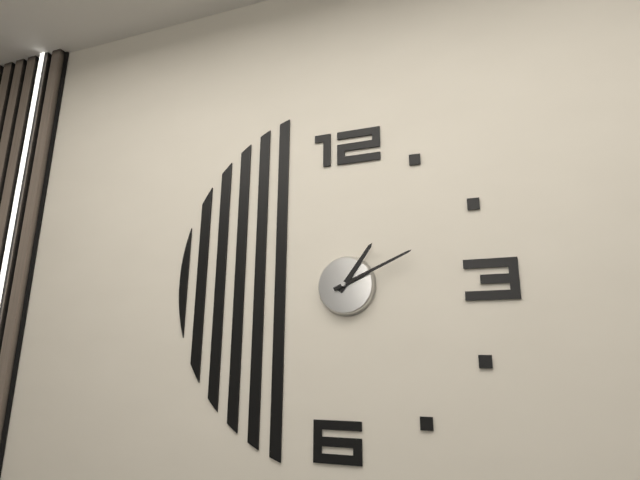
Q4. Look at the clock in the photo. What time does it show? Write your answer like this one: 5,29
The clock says 1,11
